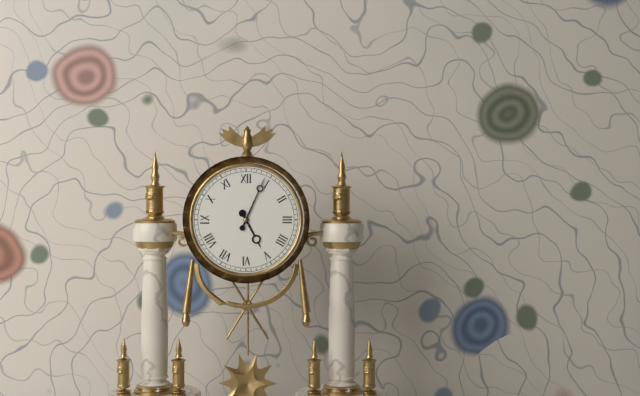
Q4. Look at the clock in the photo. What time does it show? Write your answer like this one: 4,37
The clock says 5,04
